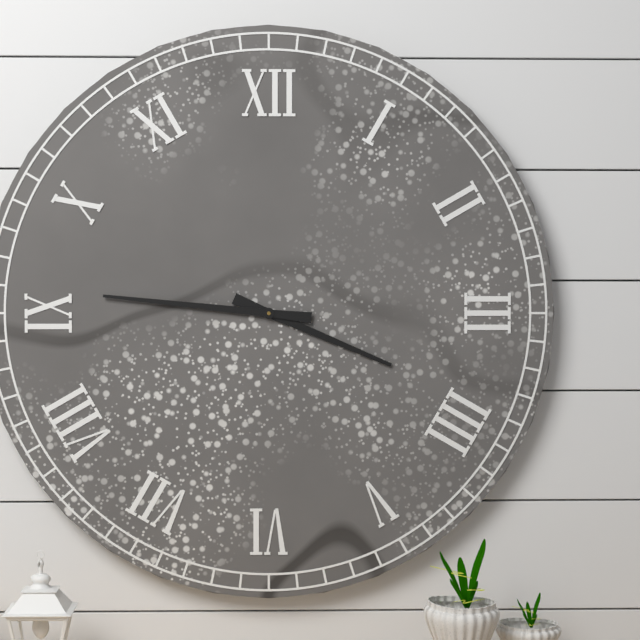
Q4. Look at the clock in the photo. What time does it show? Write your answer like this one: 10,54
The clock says 3,46
